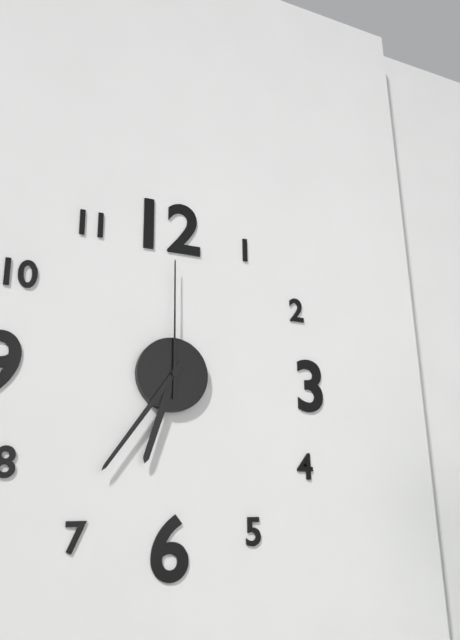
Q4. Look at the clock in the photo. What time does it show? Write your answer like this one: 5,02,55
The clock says 6,36,00
